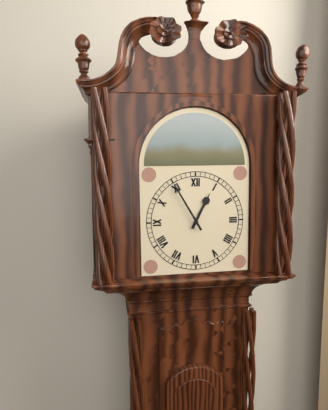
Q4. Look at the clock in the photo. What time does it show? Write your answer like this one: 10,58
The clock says 12,55
